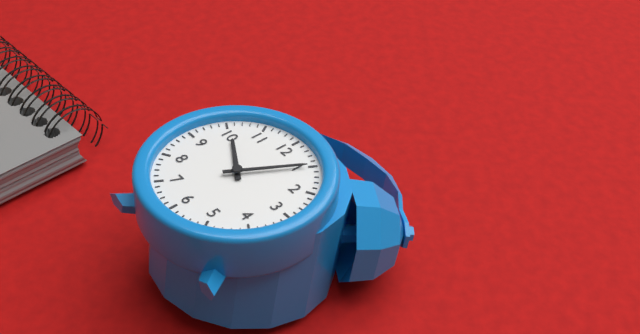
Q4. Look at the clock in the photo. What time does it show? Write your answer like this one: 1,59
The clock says 10,05
